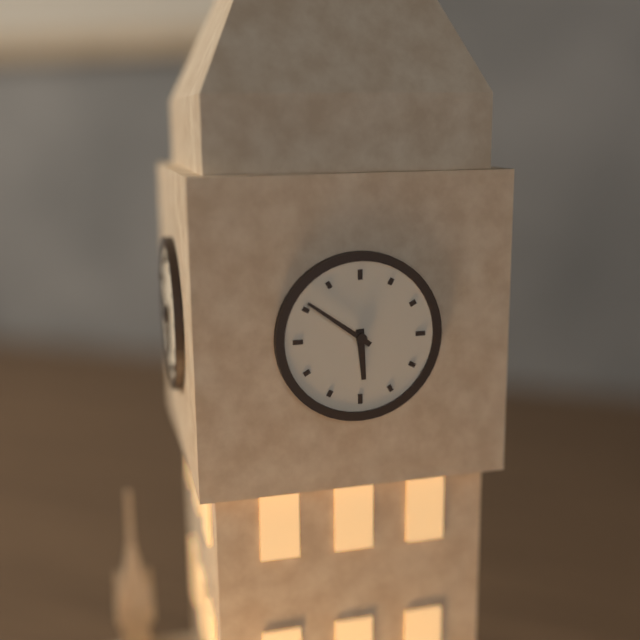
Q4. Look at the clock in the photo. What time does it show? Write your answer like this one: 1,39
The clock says 5,51
